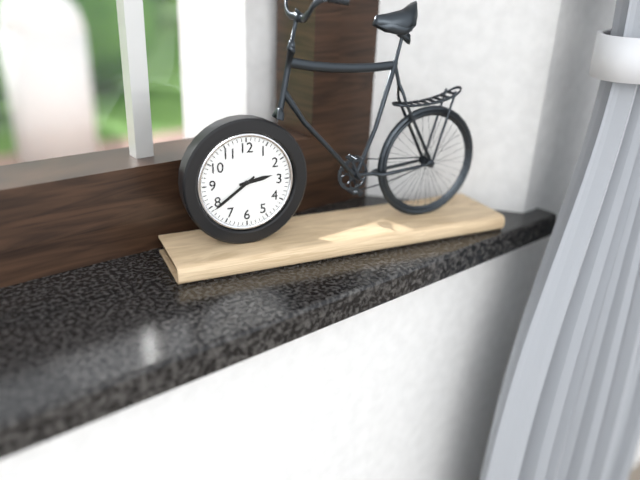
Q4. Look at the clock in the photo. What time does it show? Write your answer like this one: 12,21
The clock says 2,39
